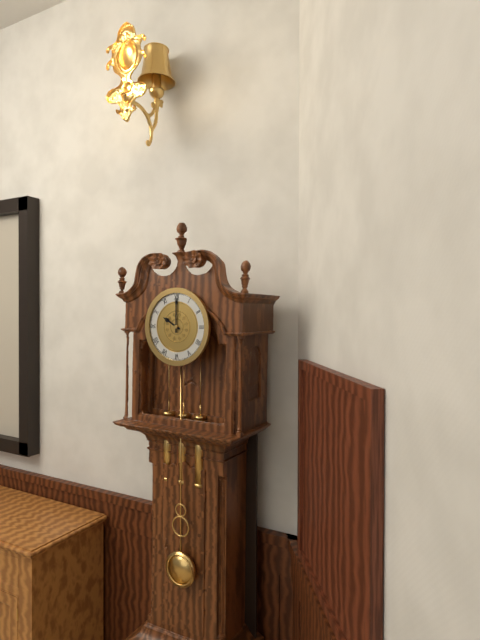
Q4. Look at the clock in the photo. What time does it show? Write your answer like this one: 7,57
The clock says 10,00
